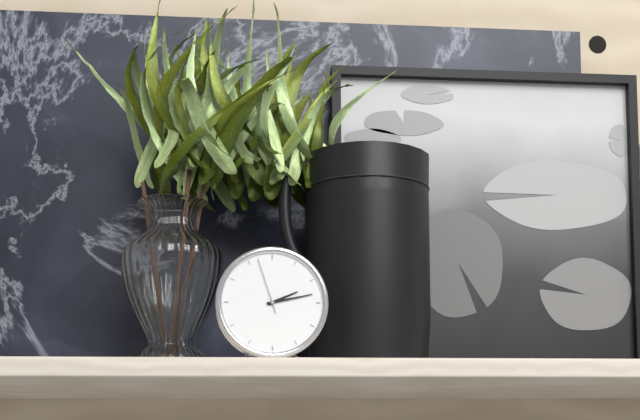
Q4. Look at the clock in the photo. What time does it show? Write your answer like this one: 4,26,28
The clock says 2,13,57
